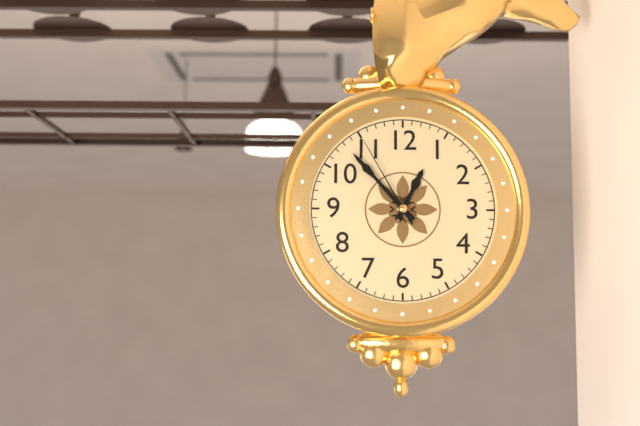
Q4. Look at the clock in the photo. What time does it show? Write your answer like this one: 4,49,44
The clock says 12,53,55
